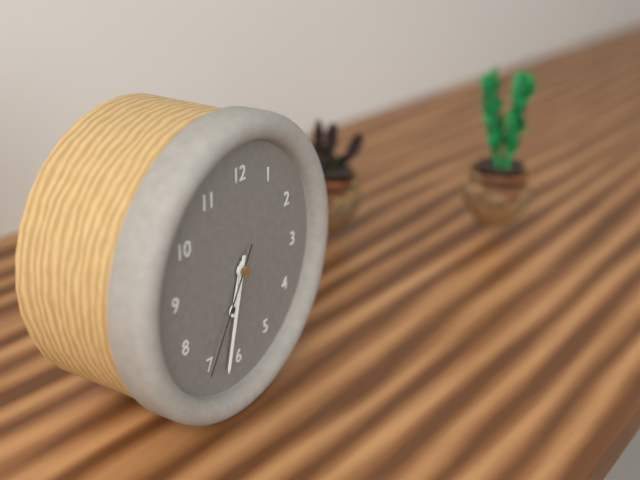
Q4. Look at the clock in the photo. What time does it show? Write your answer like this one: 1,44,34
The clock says 6,32,35
